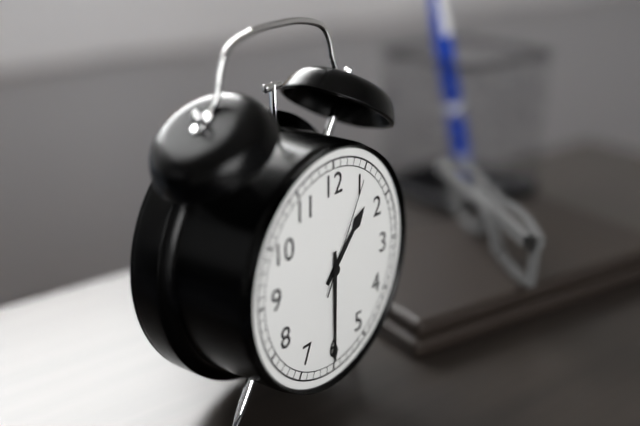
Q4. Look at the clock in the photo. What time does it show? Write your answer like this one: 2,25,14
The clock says 1,30,05
